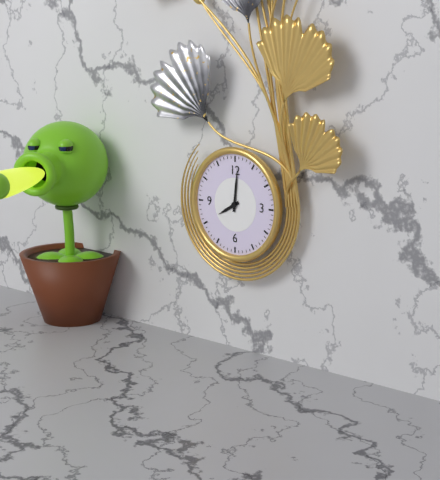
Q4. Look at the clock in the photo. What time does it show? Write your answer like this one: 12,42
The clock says 8,01
